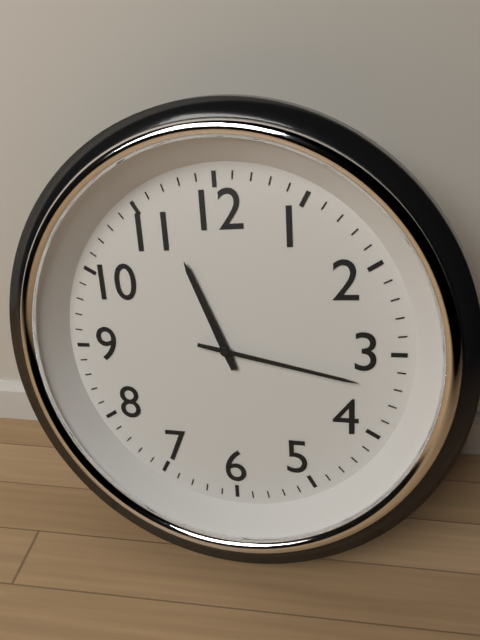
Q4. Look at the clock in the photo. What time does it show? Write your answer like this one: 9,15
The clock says 11,17
